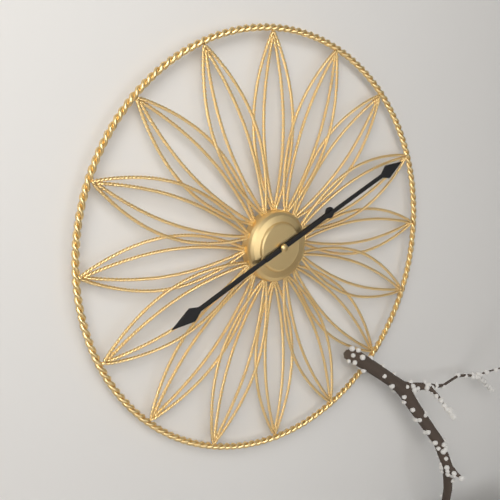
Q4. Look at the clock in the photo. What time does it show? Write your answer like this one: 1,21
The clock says 8,11
